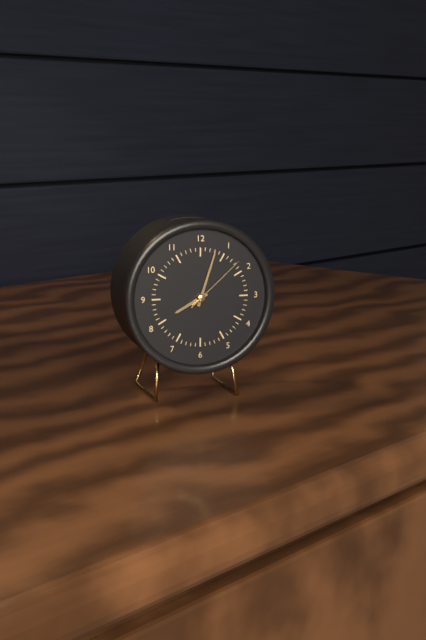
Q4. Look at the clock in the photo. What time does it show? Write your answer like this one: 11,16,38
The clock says 8,03,08
